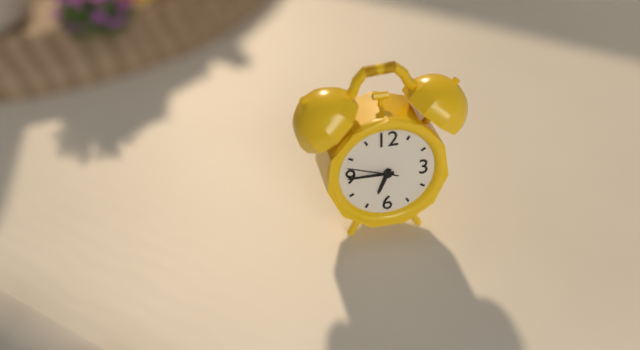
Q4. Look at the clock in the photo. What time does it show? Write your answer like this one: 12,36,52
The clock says 6,45,48
